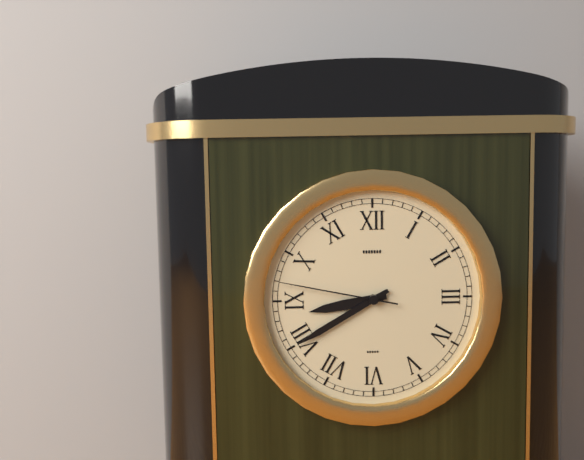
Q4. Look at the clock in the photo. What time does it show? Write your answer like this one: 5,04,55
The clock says 8,40,47
